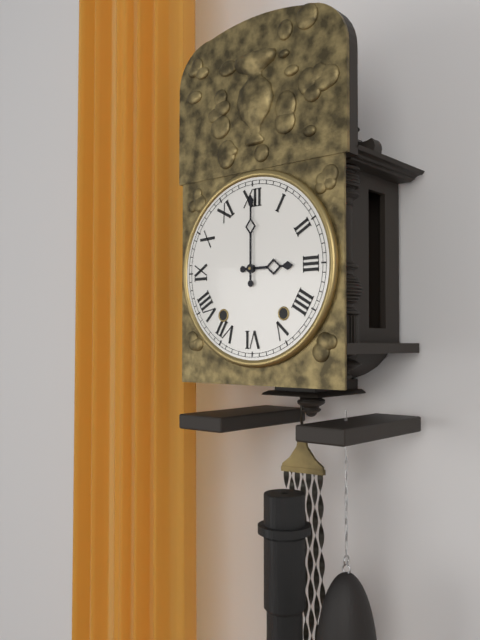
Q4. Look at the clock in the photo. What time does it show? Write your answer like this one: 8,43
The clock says 3,00
